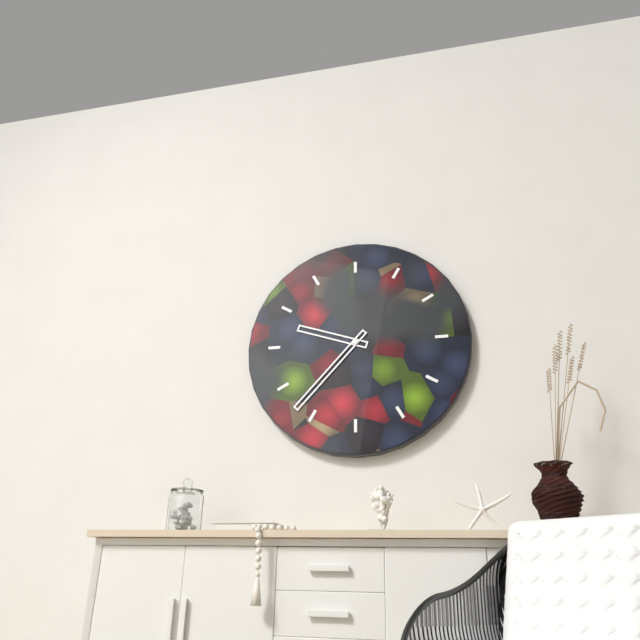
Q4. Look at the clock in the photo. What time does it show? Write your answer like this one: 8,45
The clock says 9,37
